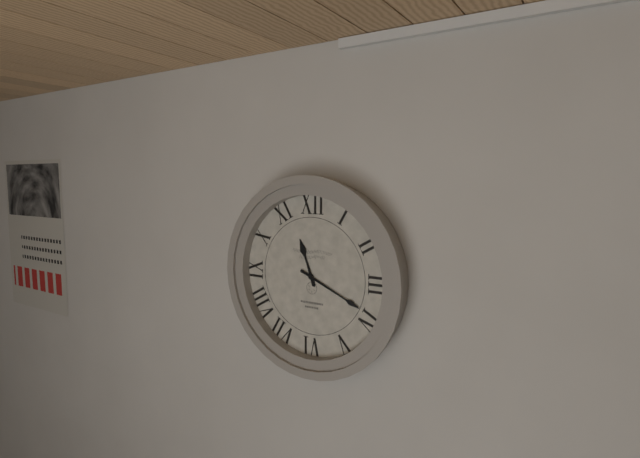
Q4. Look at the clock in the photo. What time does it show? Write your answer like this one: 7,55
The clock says 11,19
